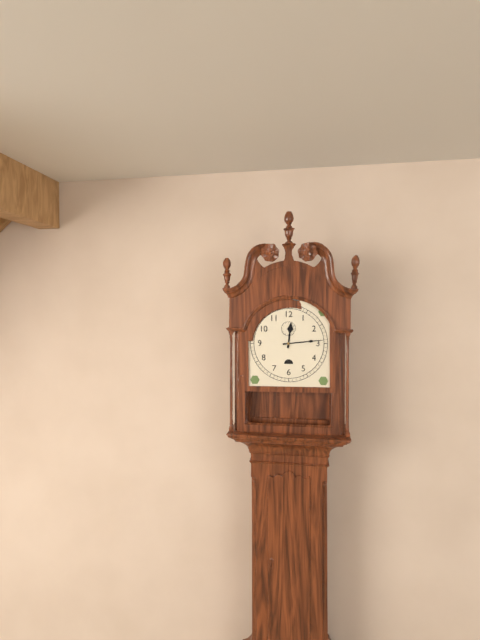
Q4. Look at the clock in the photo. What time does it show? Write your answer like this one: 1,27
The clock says 12,14
